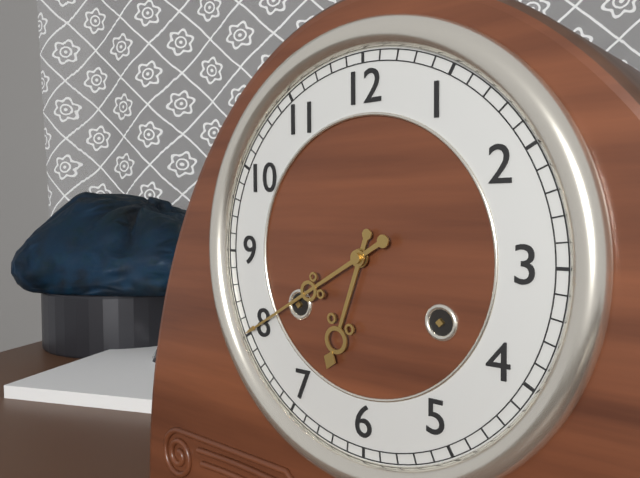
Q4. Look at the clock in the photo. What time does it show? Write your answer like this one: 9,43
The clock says 6,40
